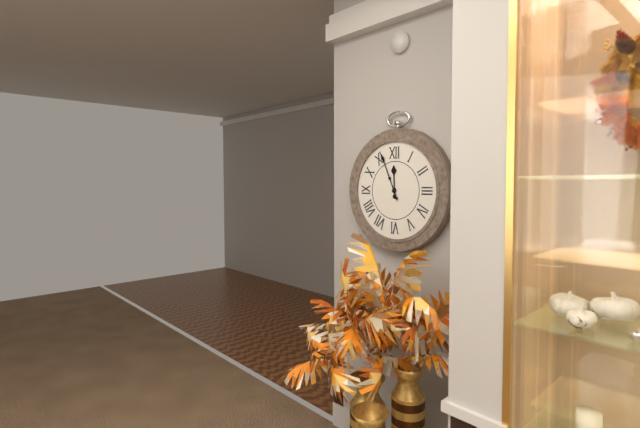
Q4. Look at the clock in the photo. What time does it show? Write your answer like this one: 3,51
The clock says 11,56
